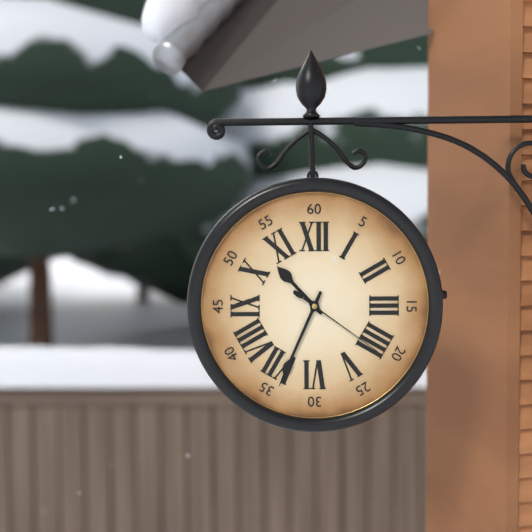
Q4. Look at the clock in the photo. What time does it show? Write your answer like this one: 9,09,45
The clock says 10,34,21
